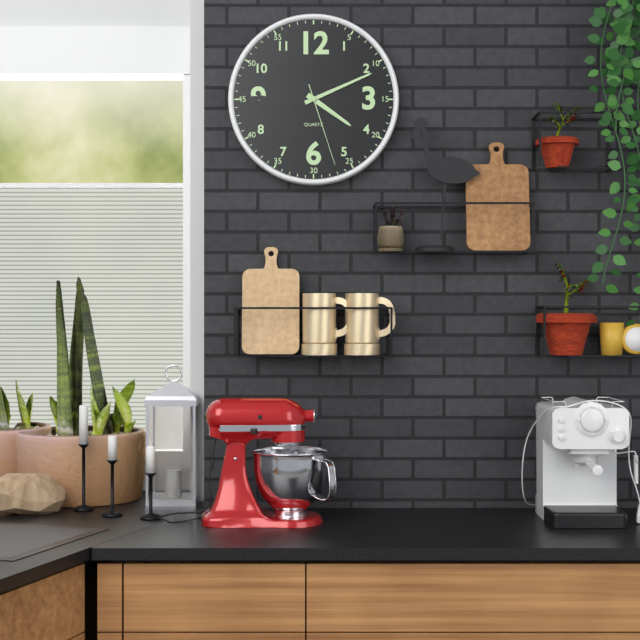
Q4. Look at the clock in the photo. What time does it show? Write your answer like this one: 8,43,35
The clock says 4,11,27
